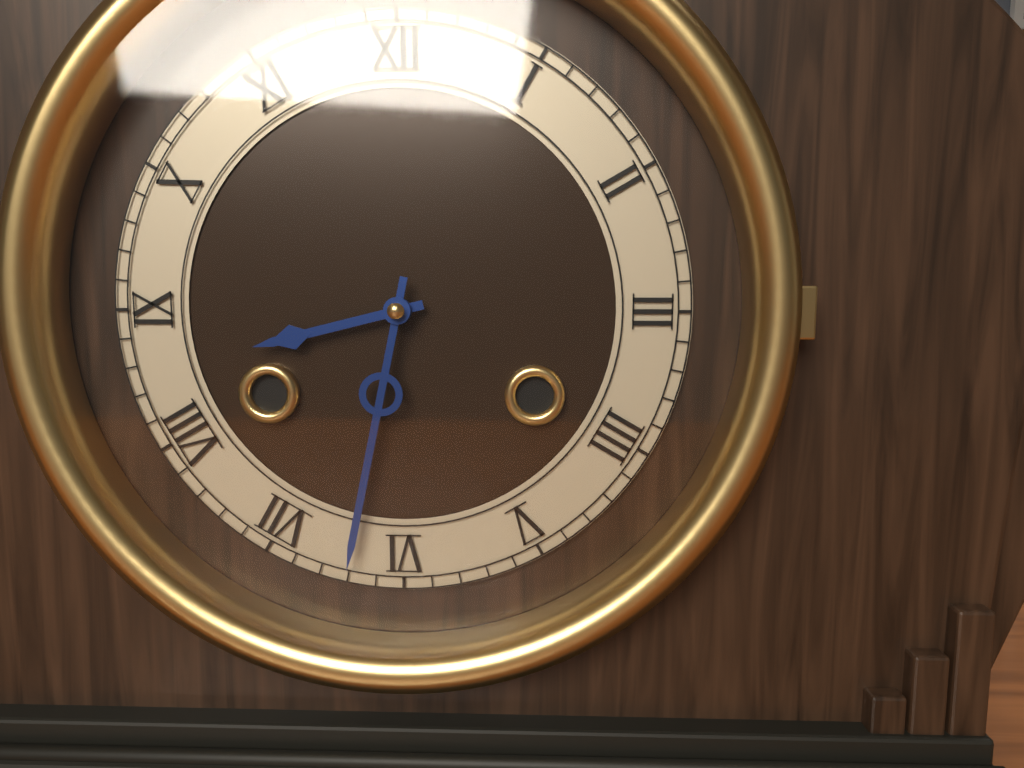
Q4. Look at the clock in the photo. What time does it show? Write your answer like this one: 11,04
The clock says 8,32
